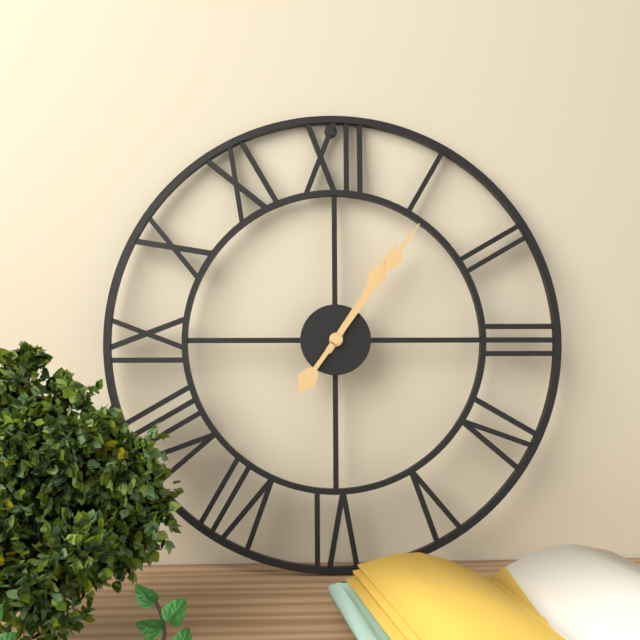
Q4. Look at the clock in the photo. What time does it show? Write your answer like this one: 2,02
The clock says 1,06
